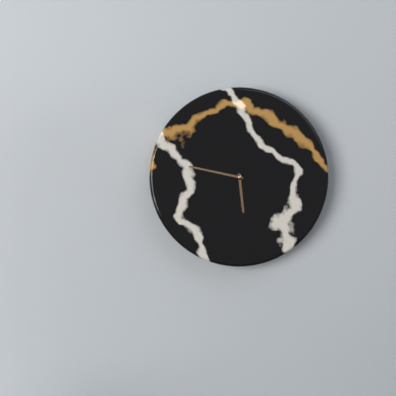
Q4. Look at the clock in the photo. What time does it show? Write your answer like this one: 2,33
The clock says 5,47
